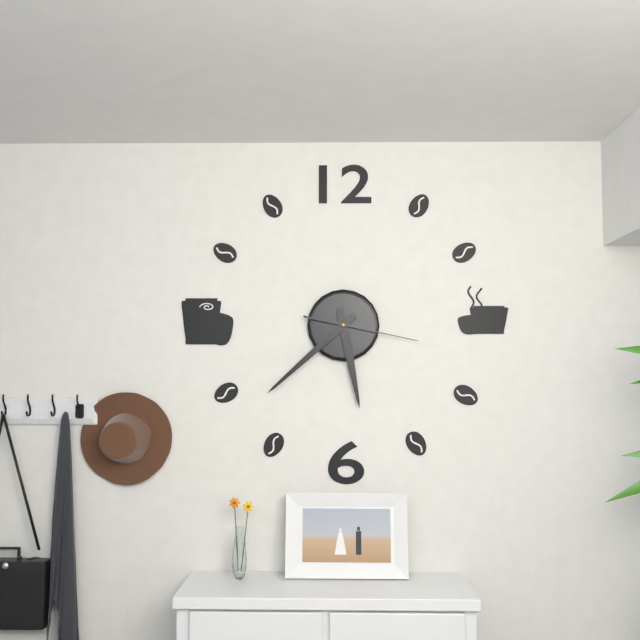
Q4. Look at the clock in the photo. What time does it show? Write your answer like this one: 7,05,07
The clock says 5,38,17
